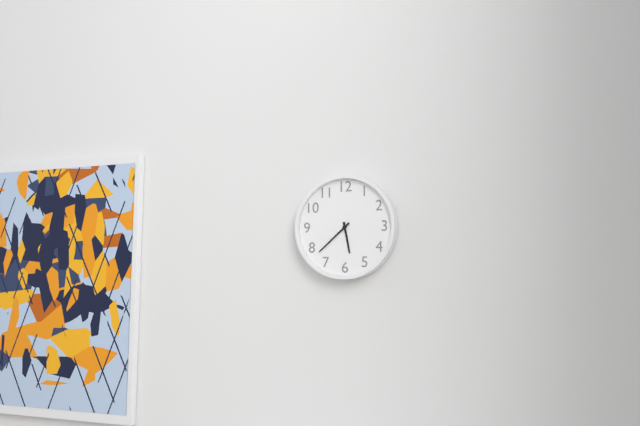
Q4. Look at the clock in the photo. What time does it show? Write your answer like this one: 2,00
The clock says 5,38
